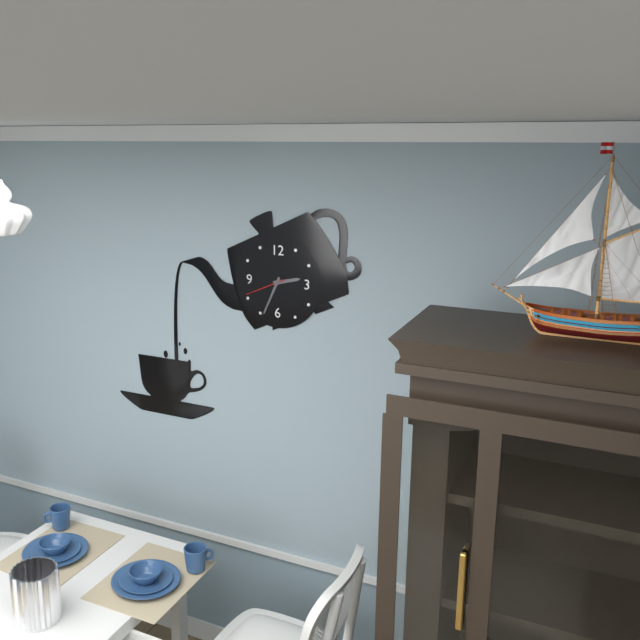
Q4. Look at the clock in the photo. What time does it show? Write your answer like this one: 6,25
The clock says 2,34
